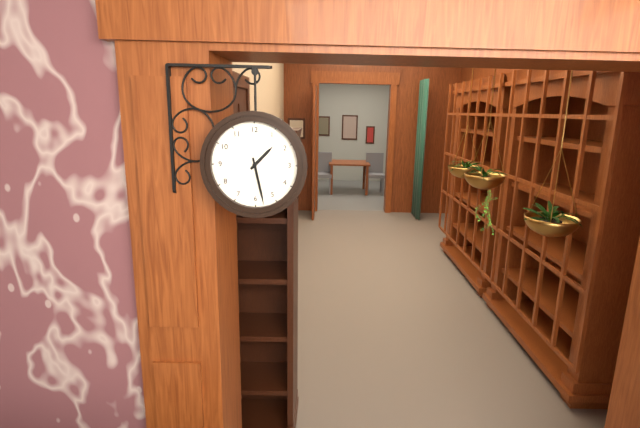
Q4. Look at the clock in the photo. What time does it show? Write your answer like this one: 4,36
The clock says 1,28
